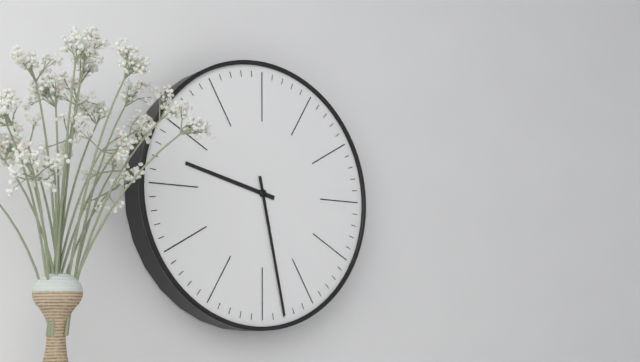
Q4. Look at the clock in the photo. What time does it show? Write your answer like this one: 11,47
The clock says 9,28
